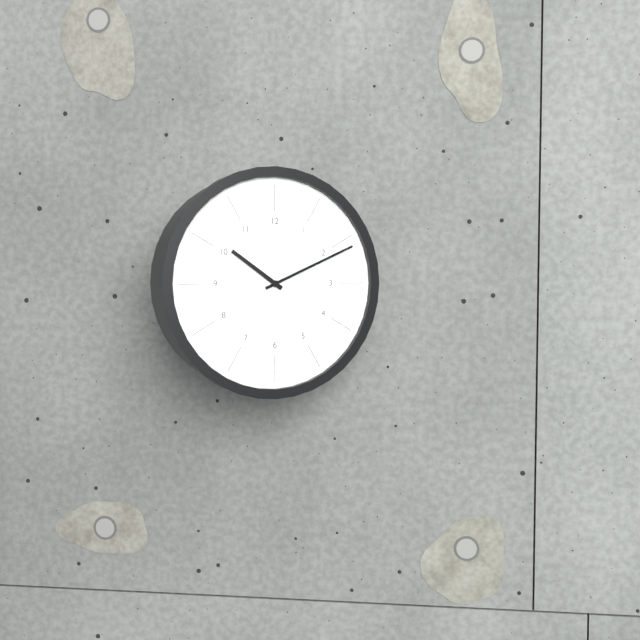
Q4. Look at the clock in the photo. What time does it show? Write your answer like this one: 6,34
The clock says 10,11
